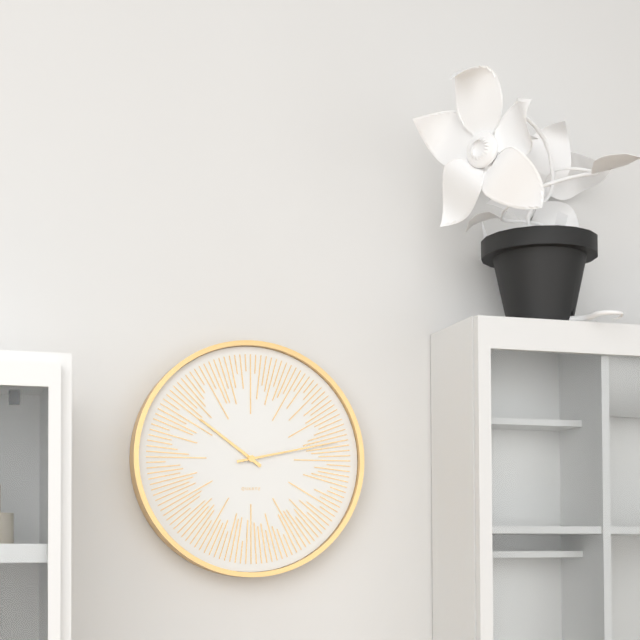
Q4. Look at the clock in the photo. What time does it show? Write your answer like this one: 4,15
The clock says 10,13
